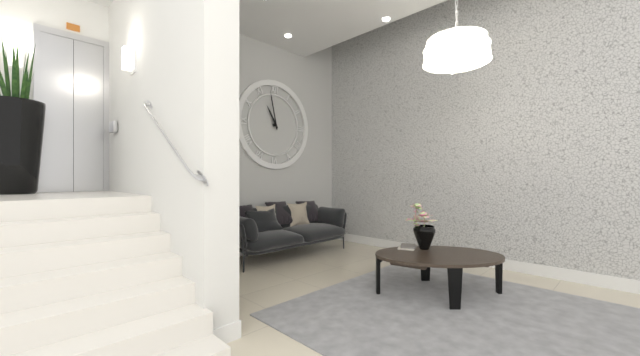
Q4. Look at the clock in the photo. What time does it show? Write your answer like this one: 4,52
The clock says 10,58
